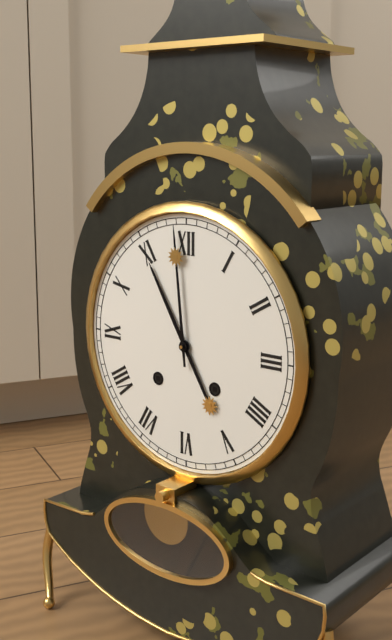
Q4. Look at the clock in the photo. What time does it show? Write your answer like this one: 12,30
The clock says 10,59
